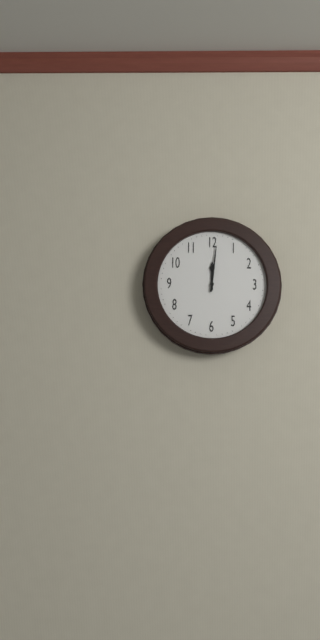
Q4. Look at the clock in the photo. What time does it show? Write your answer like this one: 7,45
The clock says 12,01
